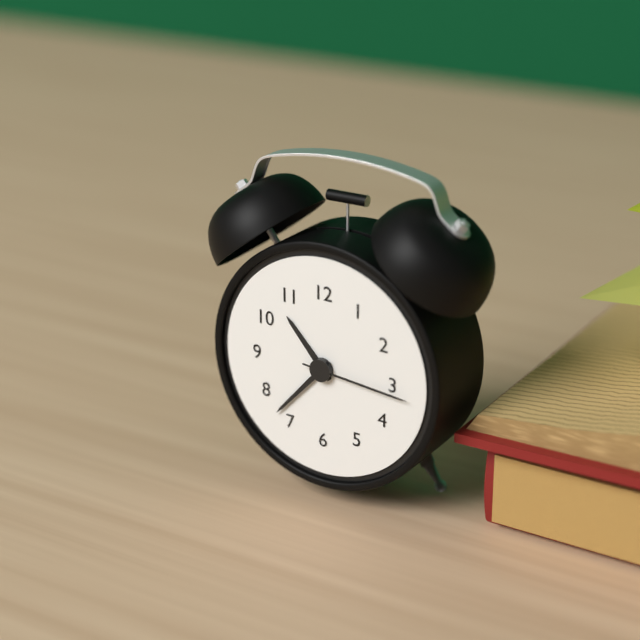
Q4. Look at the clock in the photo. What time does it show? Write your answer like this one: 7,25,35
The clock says 10,37,16
